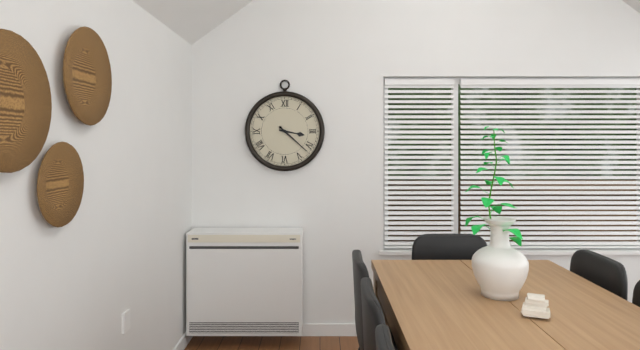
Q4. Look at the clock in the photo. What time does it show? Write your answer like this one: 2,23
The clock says 3,22
